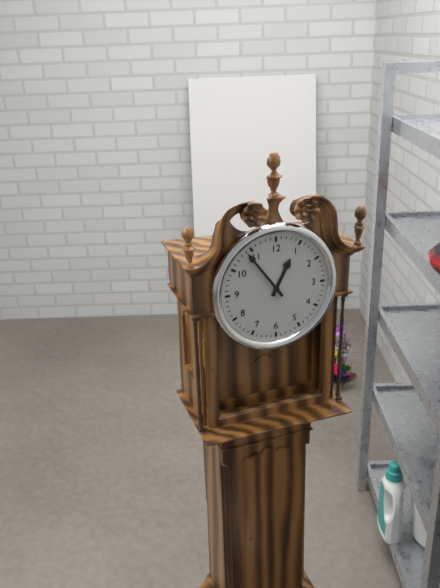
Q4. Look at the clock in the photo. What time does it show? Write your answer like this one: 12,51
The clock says 12,54
